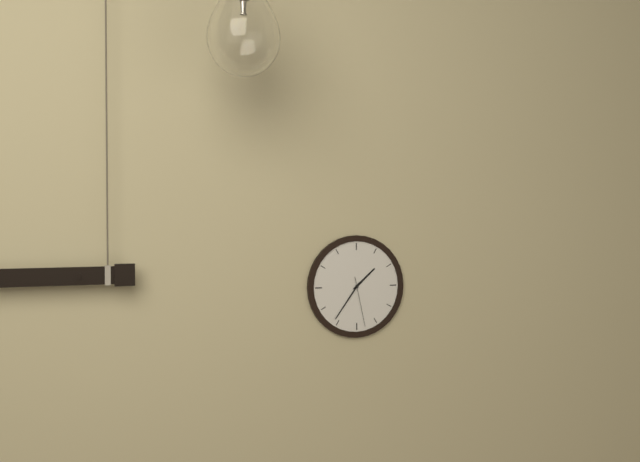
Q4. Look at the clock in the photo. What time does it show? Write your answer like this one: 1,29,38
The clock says 1,36,28
